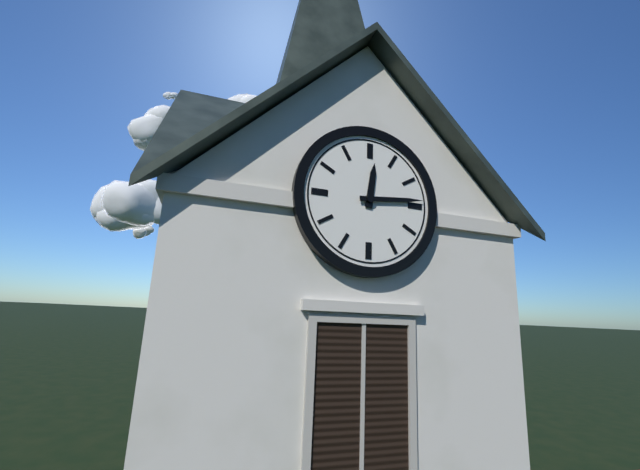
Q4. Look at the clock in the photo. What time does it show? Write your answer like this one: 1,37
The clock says 12,14
